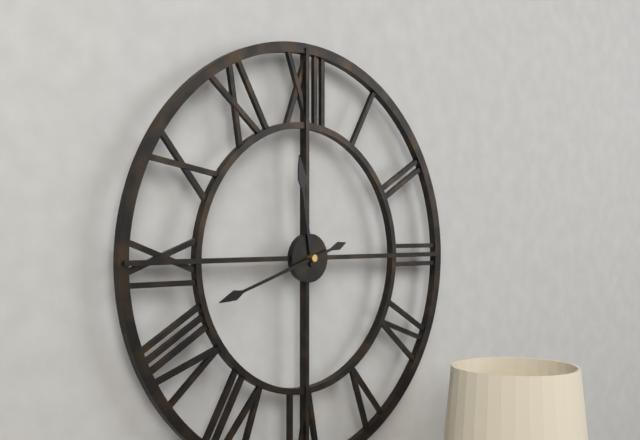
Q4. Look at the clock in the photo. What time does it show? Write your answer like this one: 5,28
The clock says 11,42
